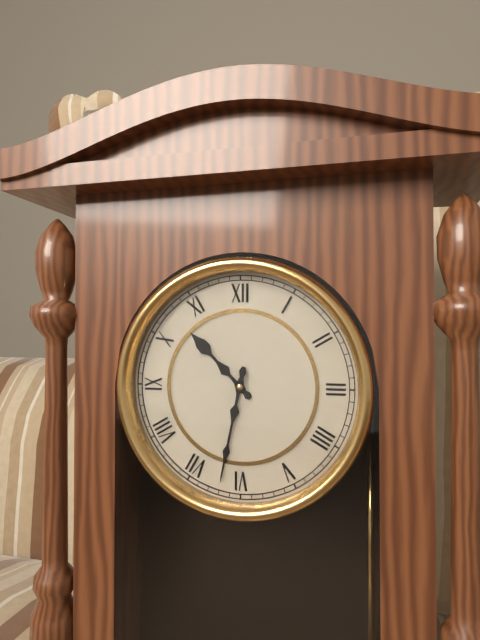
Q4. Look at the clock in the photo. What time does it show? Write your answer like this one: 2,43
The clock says 10,32
